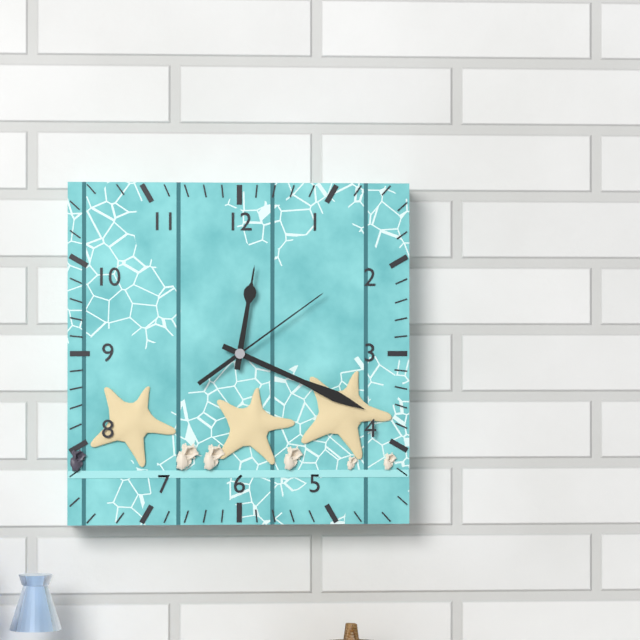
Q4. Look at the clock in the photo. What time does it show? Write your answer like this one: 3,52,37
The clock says 12,19,09
